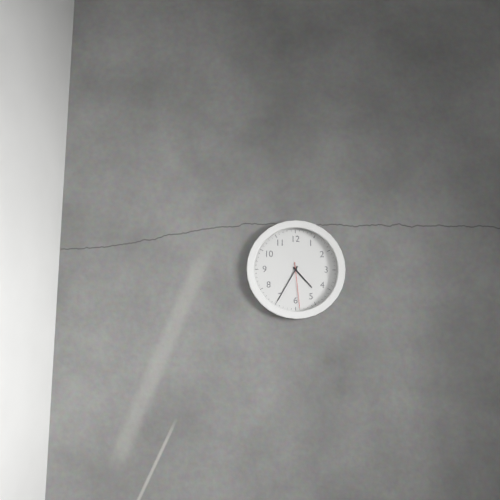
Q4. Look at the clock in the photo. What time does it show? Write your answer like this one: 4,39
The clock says 4,35
